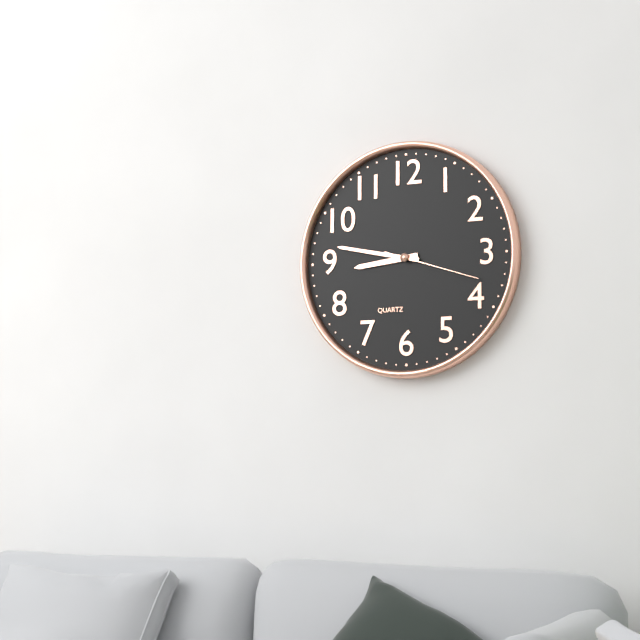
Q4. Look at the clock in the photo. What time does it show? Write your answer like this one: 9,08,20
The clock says 8,47,18
